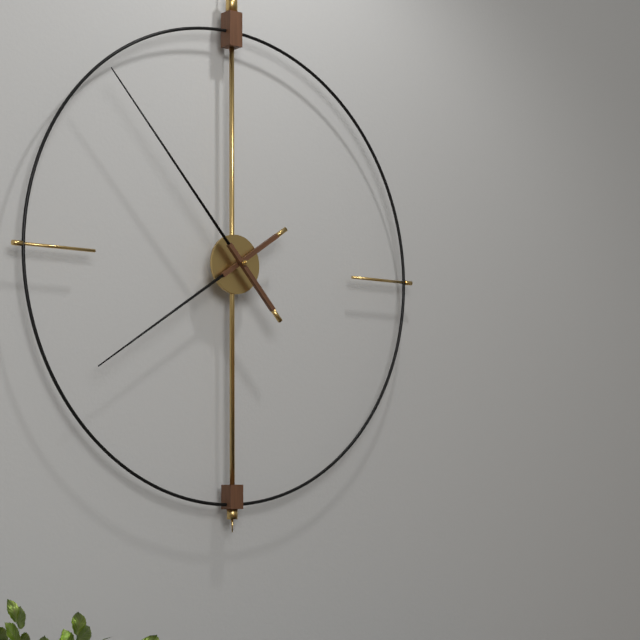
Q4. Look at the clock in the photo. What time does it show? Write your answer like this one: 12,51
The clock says 7,53
